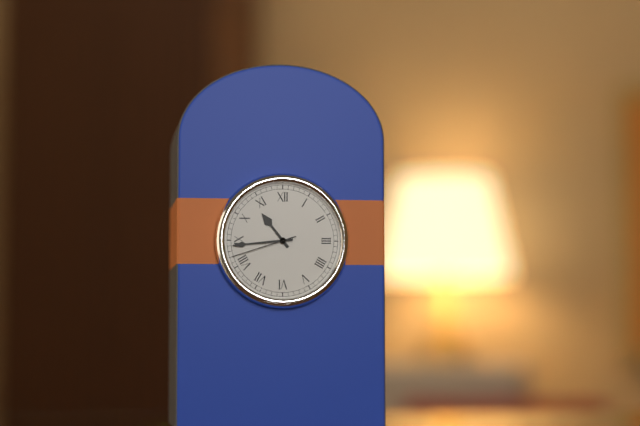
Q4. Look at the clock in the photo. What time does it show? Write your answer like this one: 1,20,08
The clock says 10,44,42
